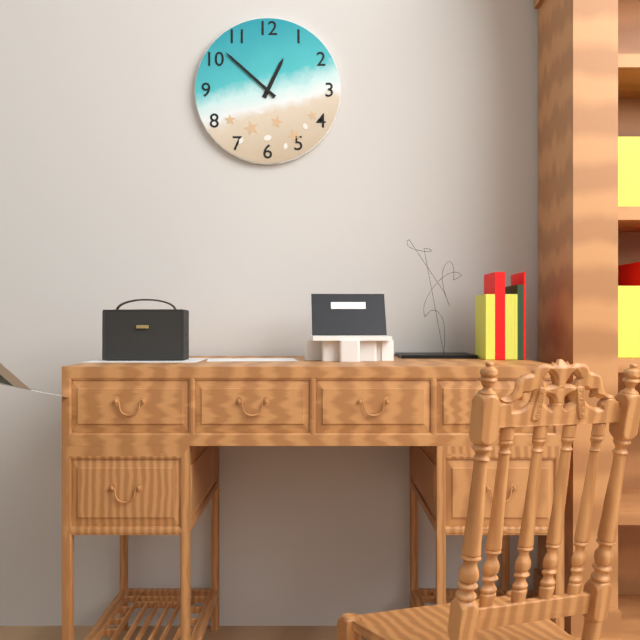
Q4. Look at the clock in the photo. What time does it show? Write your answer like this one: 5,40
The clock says 12,52
